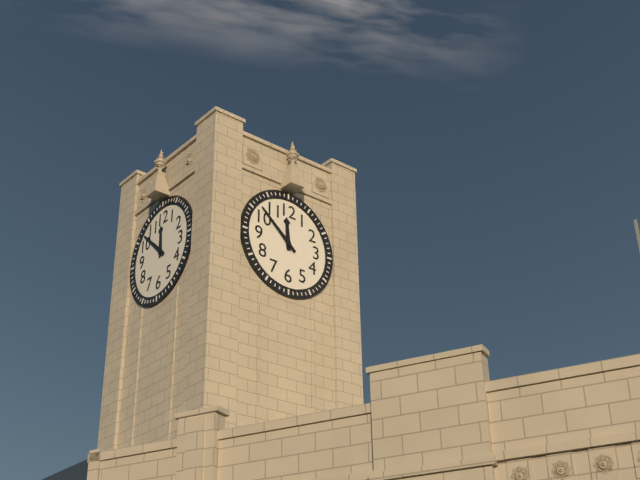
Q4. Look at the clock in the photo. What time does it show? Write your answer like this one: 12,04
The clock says 11,52
